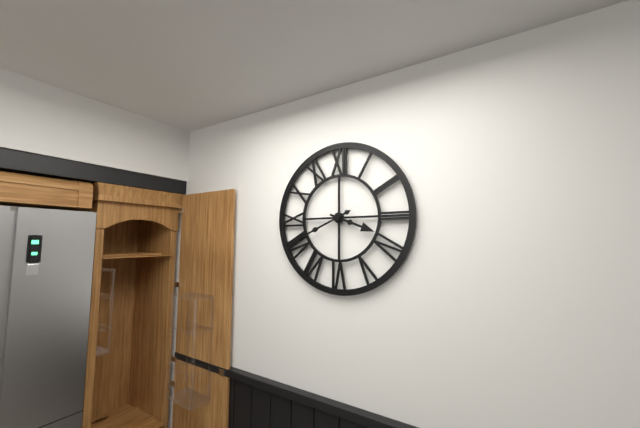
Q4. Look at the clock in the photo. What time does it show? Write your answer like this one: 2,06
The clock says 3,41
